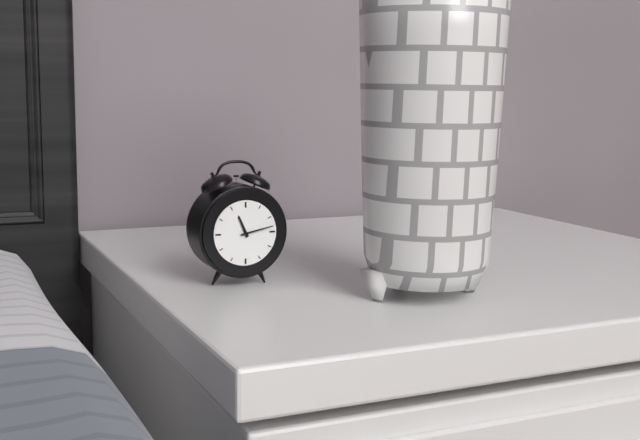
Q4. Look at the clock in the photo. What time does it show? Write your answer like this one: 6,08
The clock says 11,13
